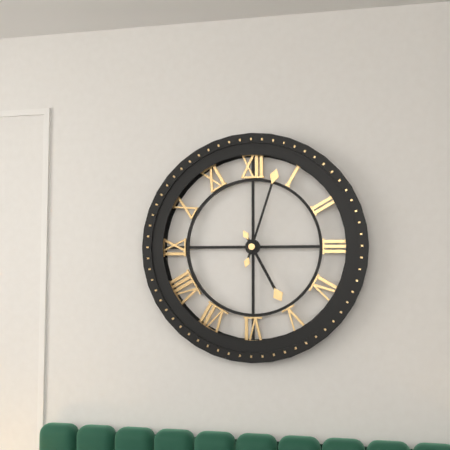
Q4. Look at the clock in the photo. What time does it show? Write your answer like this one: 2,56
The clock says 5,03
